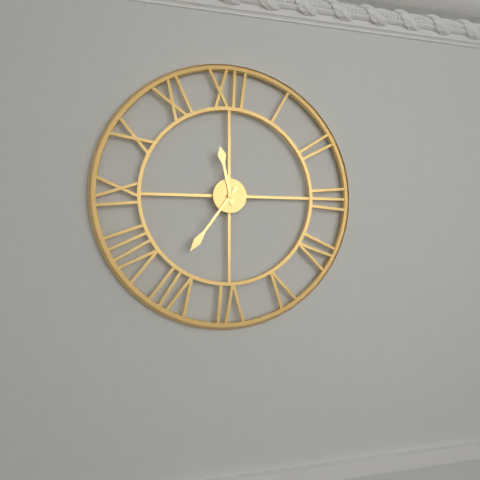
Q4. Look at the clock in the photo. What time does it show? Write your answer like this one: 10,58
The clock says 11,36
